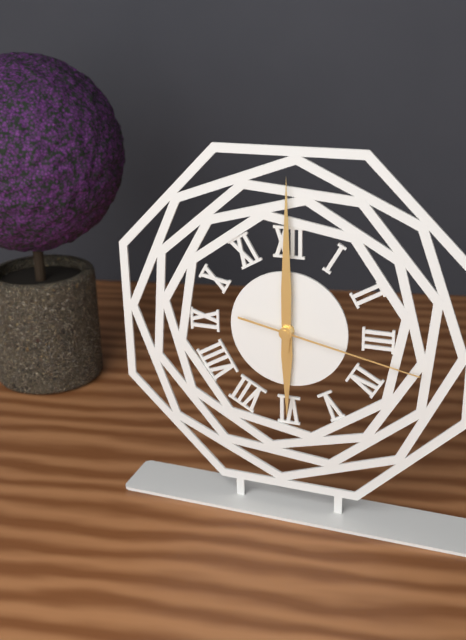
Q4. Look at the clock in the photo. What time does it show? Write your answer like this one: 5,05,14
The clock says 6,00,17
